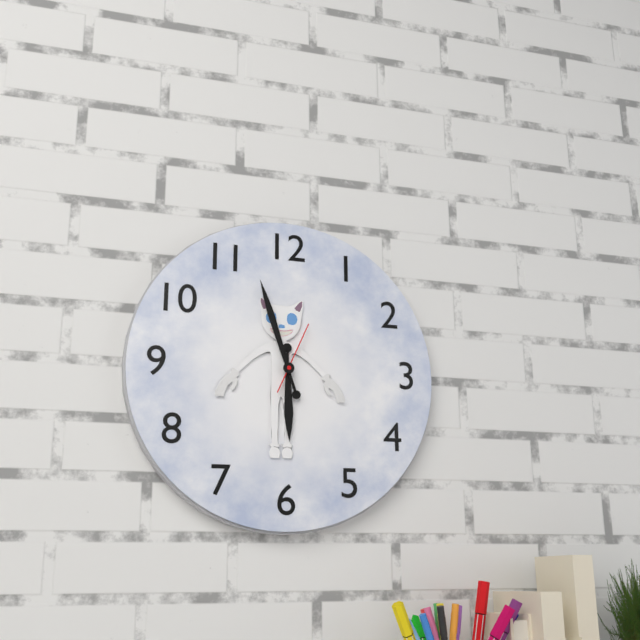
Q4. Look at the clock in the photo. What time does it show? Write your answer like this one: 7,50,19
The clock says 5,57,04
